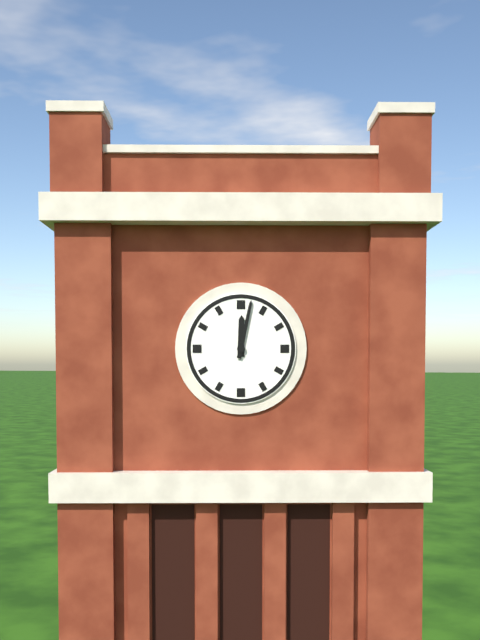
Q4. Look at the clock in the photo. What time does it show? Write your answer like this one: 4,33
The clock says 12,02
